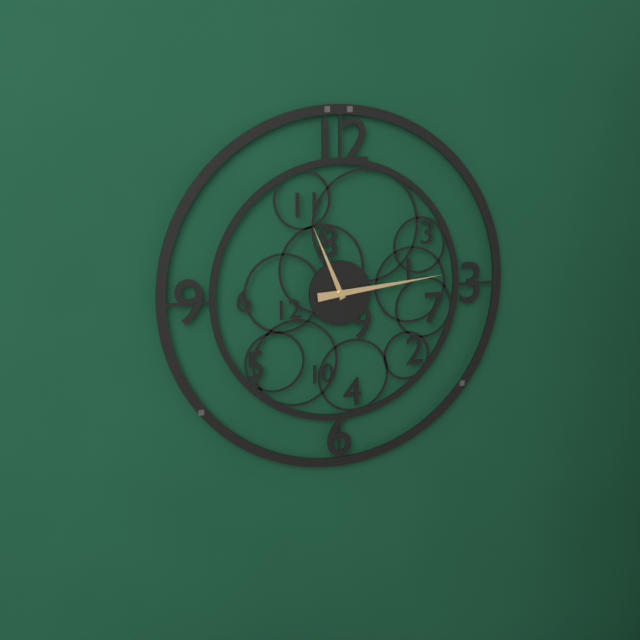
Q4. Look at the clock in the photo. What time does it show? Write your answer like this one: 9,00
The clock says 11,14
